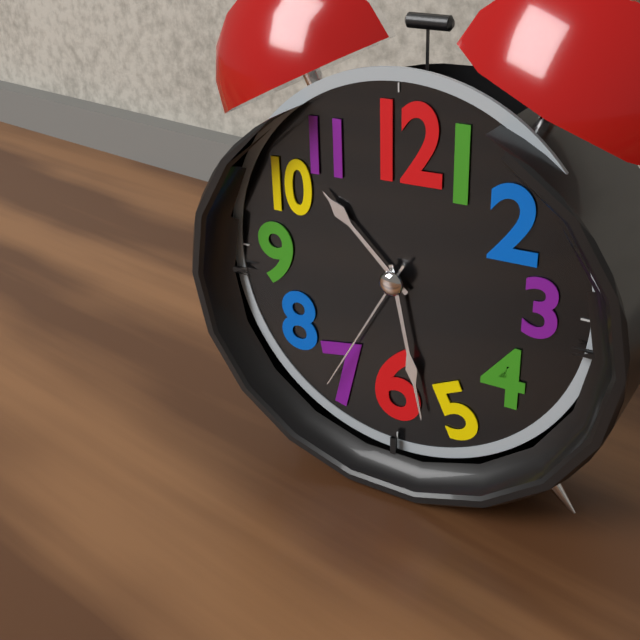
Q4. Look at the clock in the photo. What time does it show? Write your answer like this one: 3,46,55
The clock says 10,28,35
